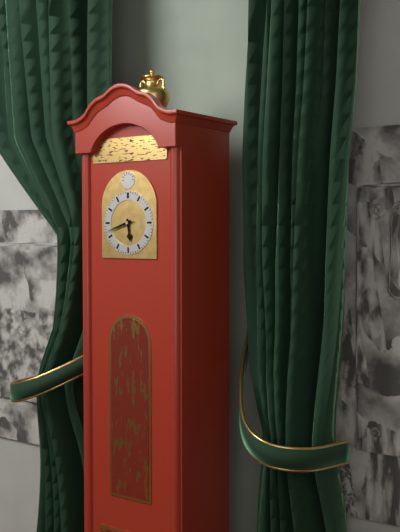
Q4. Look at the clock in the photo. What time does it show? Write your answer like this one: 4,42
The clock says 5,42
